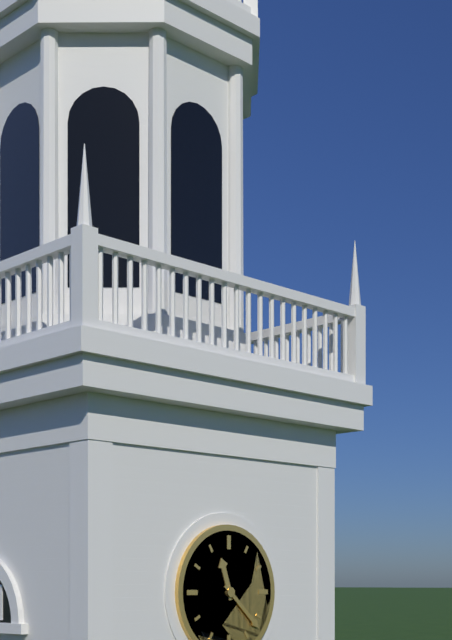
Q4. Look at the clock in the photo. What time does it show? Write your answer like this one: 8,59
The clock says 11,22
